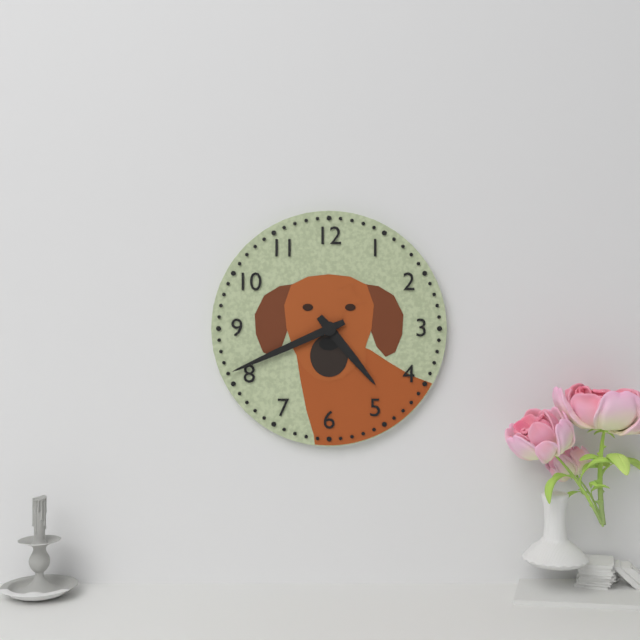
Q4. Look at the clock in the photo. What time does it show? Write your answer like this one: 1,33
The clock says 4,41
